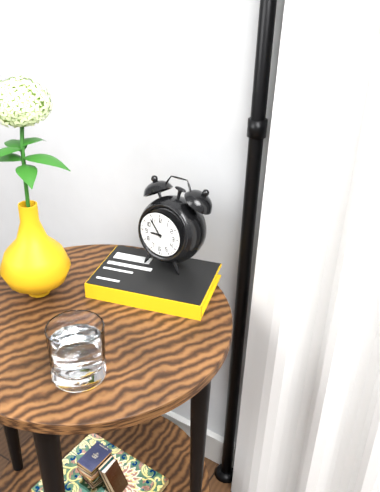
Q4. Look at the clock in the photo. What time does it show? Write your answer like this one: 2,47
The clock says 8,54
